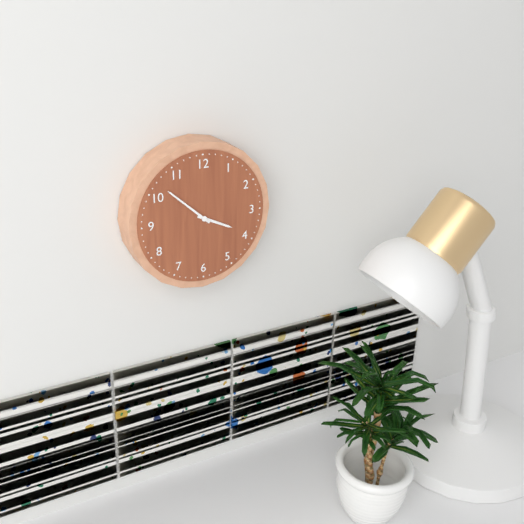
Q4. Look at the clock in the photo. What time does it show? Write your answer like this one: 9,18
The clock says 3,52
